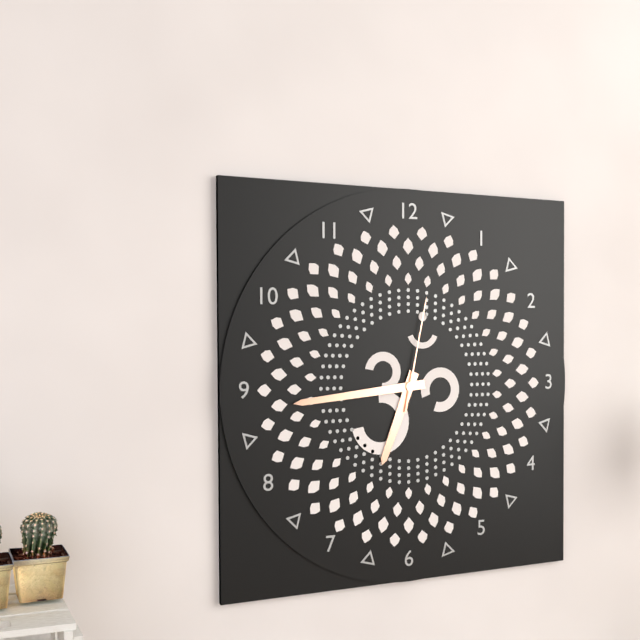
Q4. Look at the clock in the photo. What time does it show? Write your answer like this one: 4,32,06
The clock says 6,44,02
